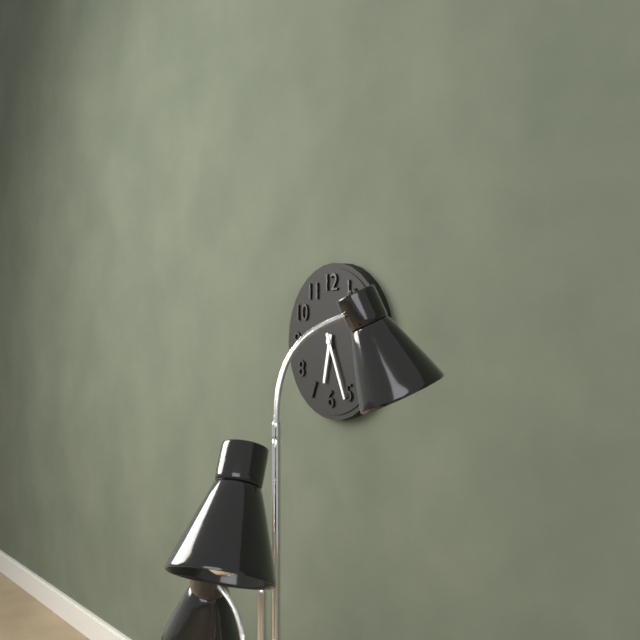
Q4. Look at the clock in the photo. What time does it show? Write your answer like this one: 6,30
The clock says 6,26
